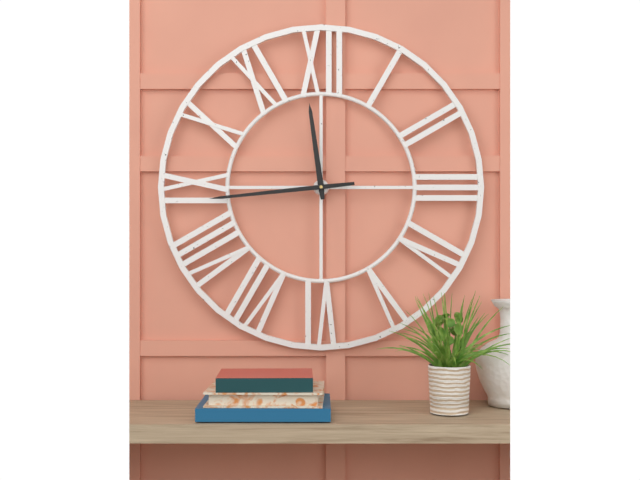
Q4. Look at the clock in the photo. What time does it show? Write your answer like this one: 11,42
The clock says 11,44
